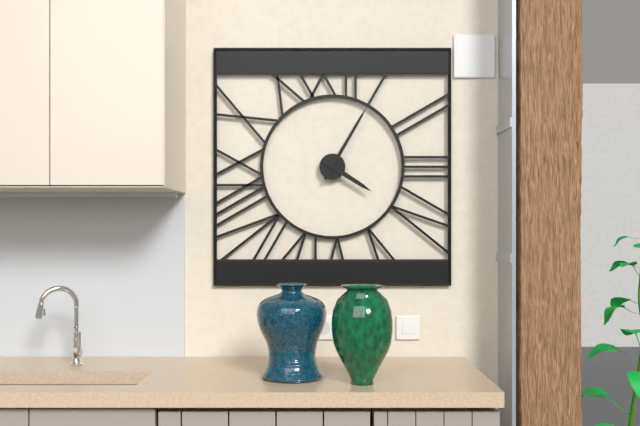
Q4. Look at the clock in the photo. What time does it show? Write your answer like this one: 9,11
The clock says 4,05
